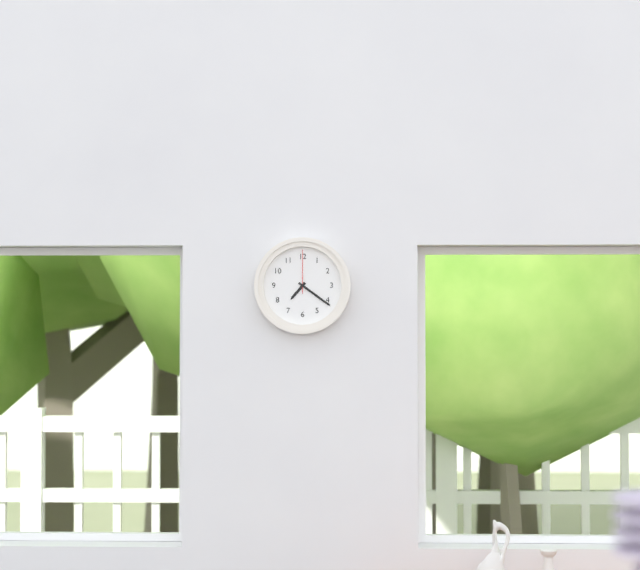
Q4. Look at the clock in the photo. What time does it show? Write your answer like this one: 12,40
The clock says 7,21
